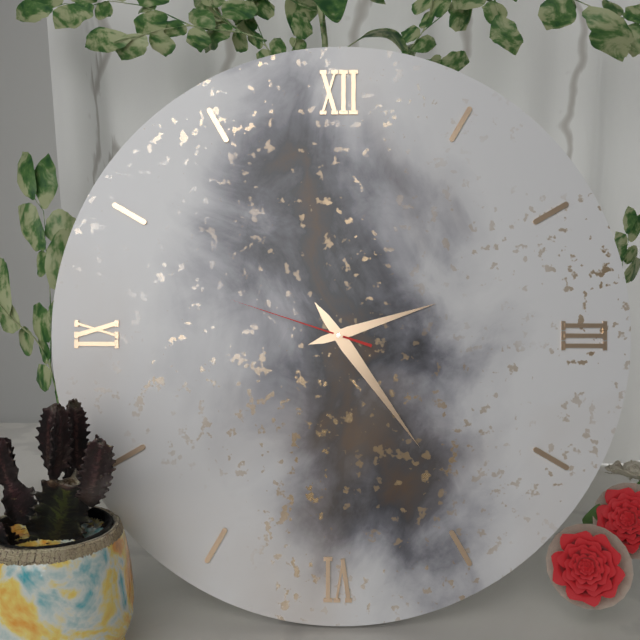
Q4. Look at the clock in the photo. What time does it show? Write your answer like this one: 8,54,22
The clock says 2,24,48
